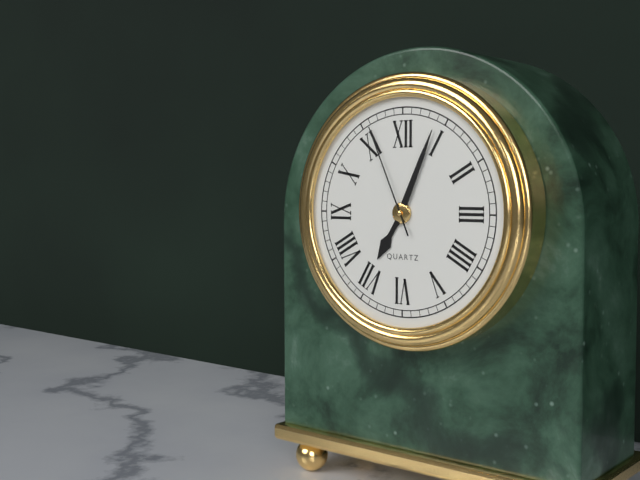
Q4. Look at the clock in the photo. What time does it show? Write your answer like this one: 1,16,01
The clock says 7,04,56
